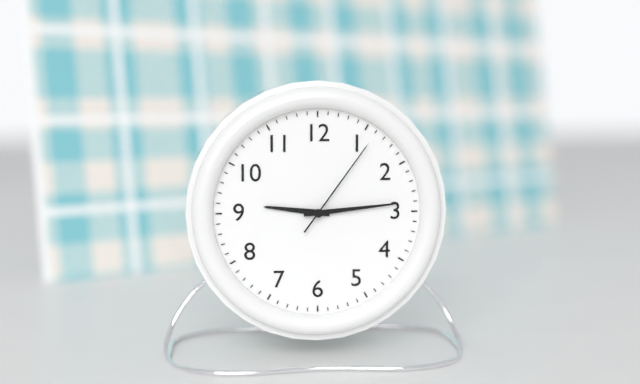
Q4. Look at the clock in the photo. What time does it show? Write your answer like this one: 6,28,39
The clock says 9,14,06
